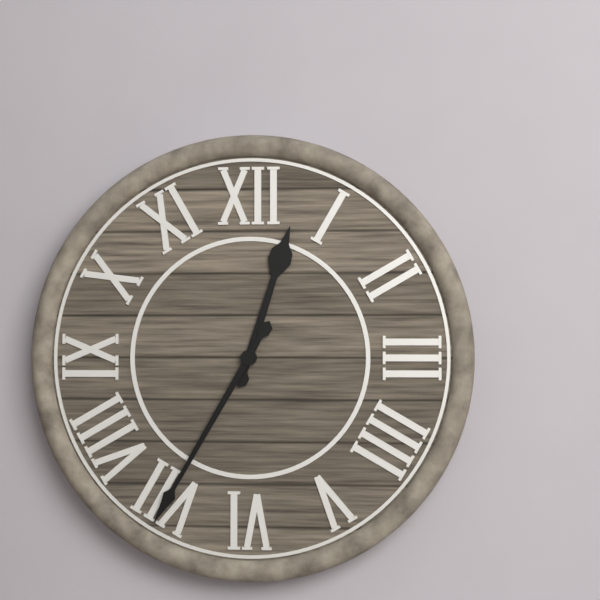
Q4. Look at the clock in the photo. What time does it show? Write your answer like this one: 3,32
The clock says 12,35
